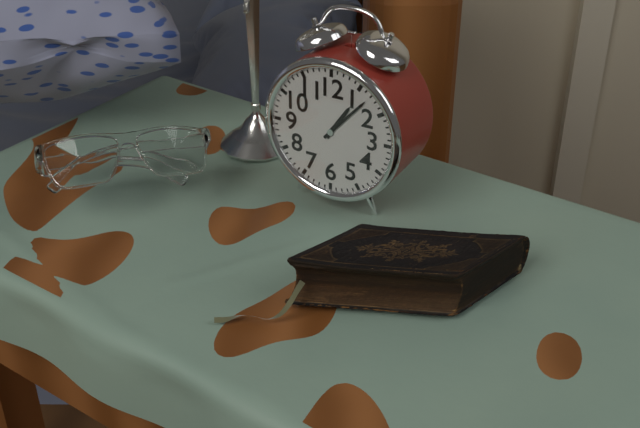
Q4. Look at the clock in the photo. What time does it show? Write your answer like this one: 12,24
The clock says 1,07
